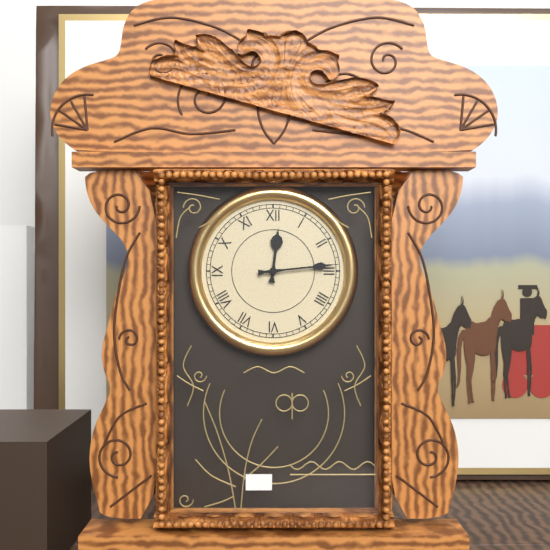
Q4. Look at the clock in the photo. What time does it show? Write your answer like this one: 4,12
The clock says 12,14
